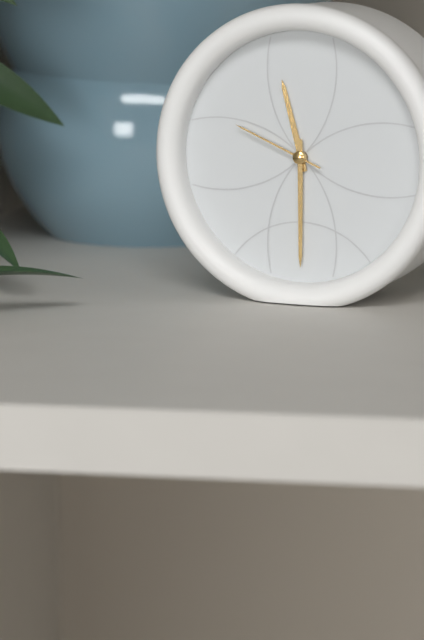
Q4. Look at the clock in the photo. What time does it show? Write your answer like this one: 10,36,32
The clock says 11,30,49
